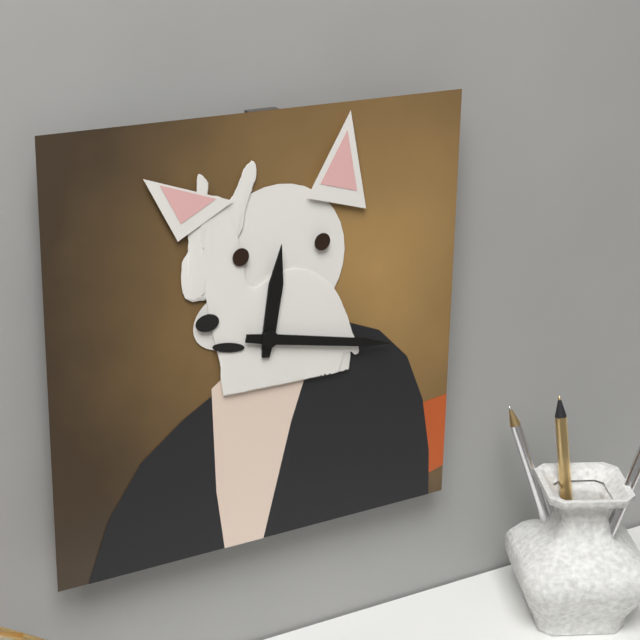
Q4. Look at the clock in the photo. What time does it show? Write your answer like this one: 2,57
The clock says 12,17
